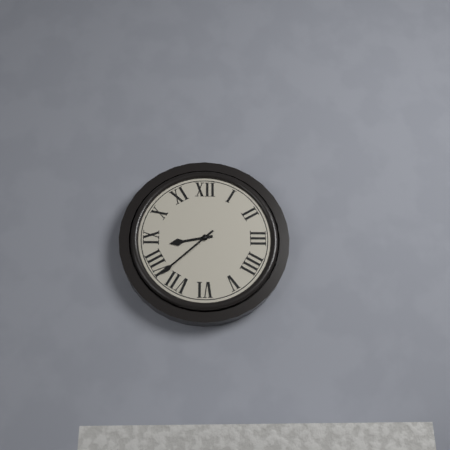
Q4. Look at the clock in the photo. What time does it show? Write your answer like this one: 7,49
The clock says 8,38
